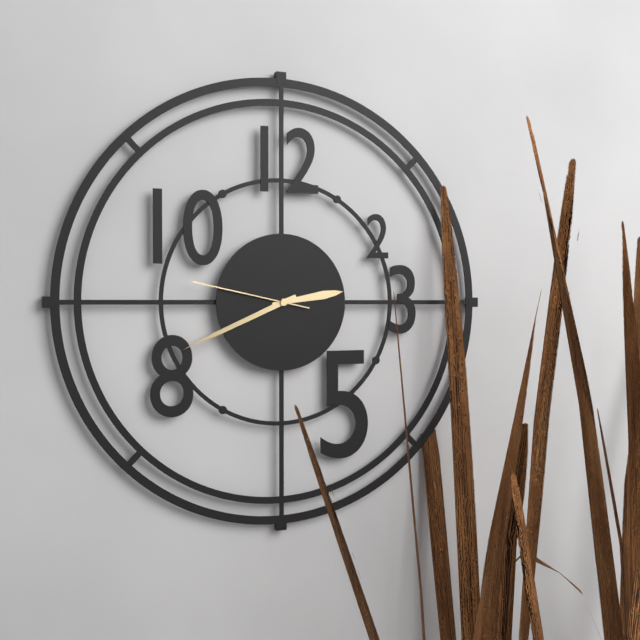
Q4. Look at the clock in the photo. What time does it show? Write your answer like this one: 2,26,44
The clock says 2,41,47
